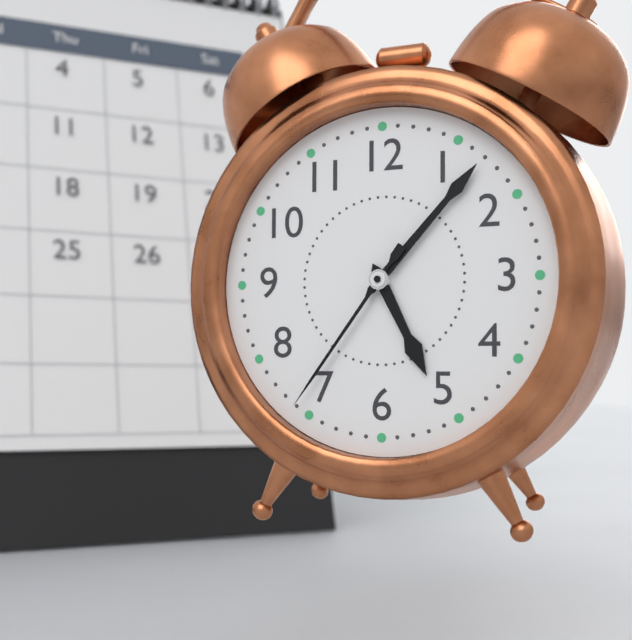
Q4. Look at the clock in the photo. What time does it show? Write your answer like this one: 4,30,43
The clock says 5,07,36
